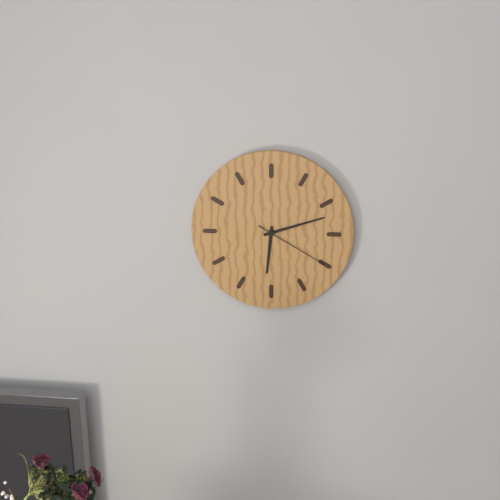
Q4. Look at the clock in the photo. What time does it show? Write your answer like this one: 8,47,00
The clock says 6,12,20
